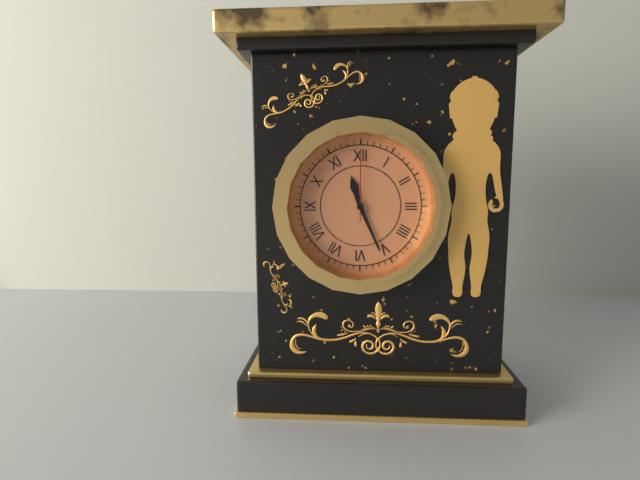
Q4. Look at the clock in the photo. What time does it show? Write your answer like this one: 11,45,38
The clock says 11,26,00
